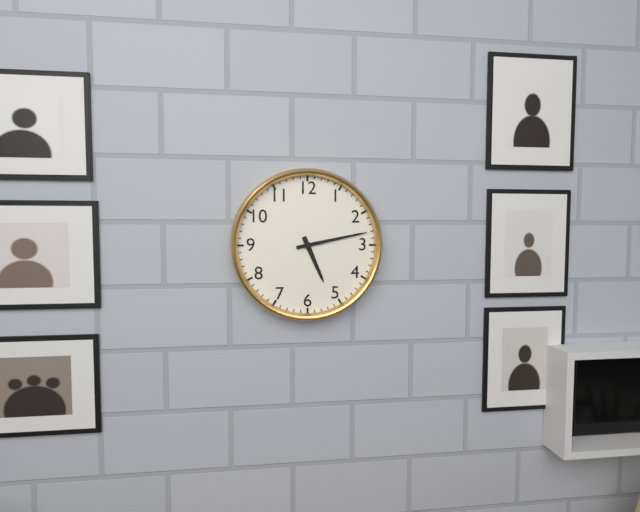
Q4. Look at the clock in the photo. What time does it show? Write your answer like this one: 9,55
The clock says 5,13
